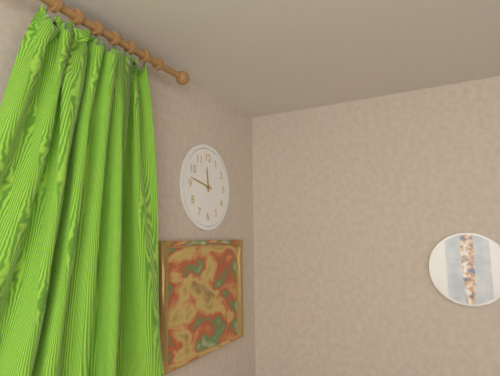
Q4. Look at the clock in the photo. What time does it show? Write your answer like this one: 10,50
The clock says 11,47
